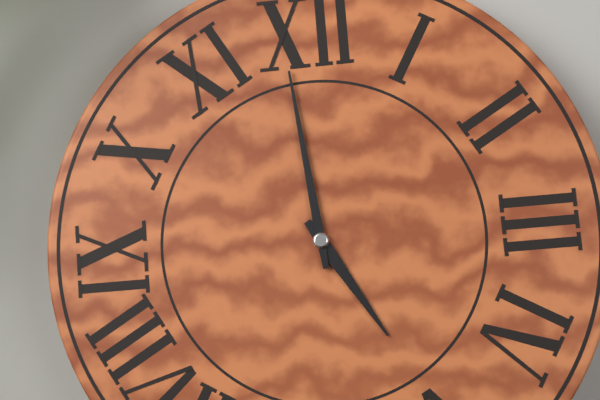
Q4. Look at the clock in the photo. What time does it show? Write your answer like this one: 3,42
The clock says 4,59
